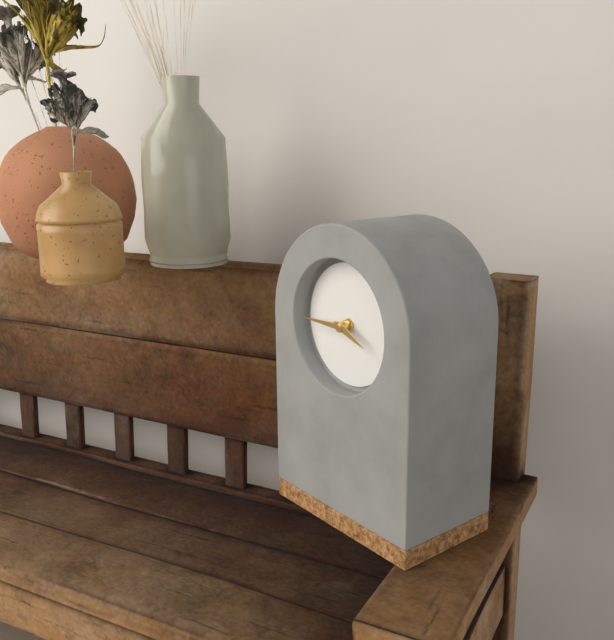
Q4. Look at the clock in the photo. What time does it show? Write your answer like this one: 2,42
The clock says 3,45
